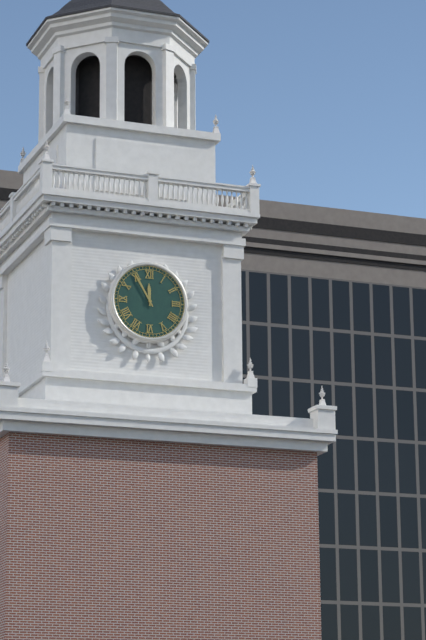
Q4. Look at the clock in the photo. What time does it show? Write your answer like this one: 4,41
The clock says 11,55
